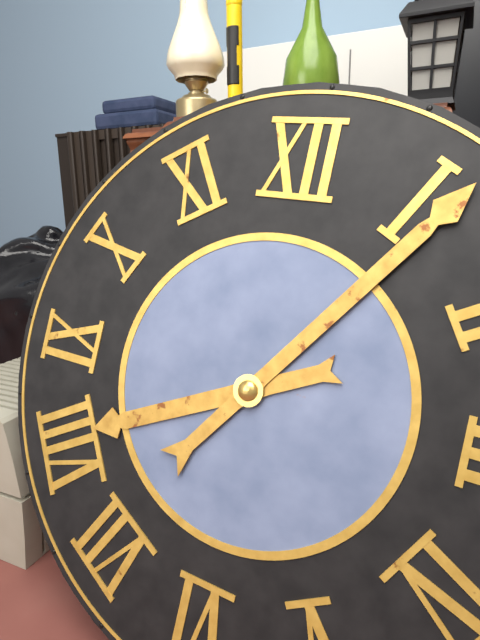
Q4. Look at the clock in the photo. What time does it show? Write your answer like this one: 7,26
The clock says 8,06
